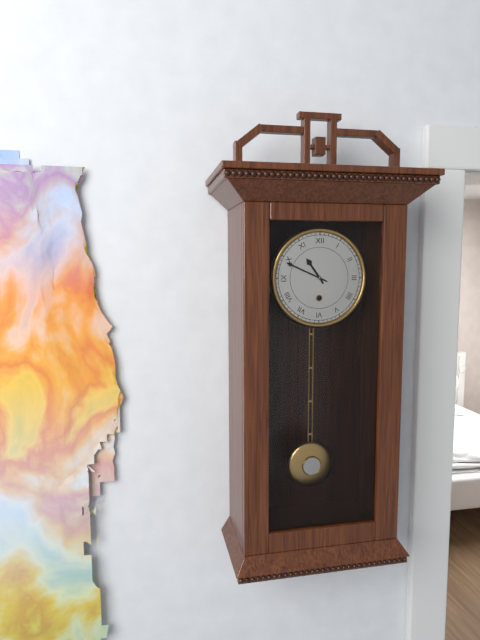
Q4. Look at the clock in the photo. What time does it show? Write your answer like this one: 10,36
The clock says 10,49
